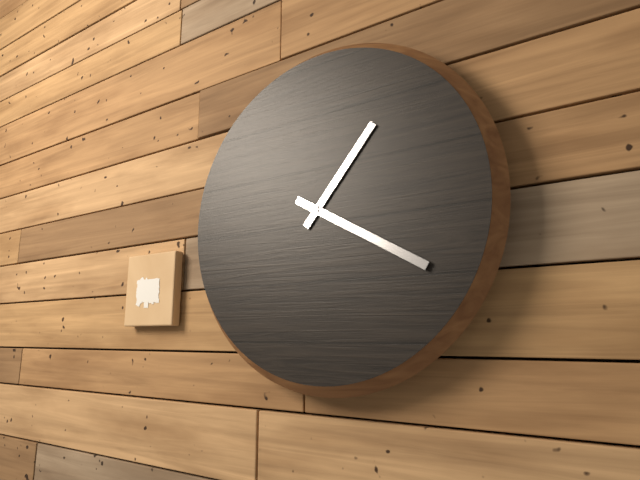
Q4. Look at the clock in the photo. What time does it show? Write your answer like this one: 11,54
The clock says 1,20
